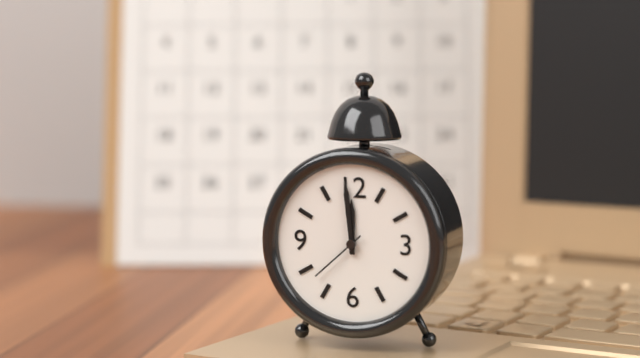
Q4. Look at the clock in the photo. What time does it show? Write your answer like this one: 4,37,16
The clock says 11,59,38
